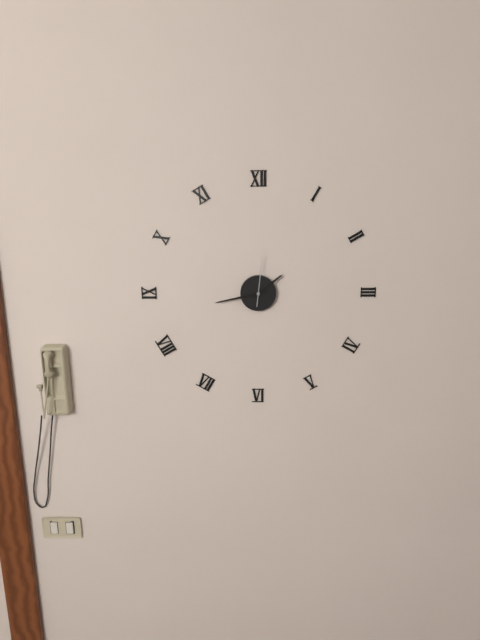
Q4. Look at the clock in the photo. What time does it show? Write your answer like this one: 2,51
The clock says 1,43
